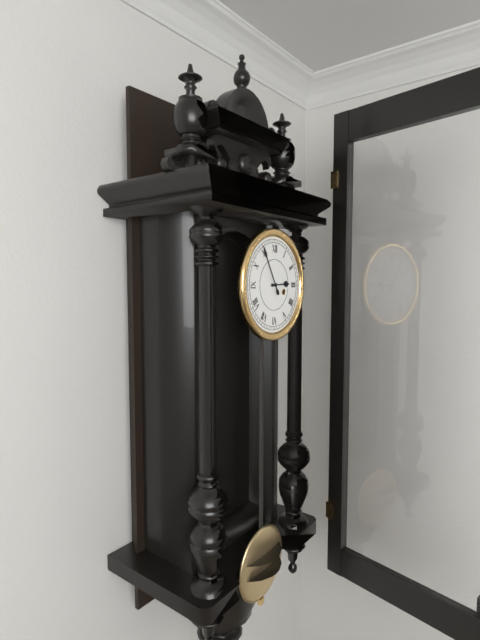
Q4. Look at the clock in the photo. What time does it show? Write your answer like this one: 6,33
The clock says 2,55
